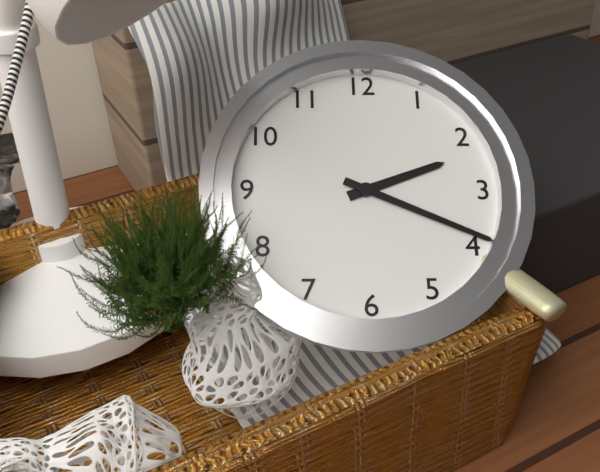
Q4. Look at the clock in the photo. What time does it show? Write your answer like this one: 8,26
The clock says 2,19
